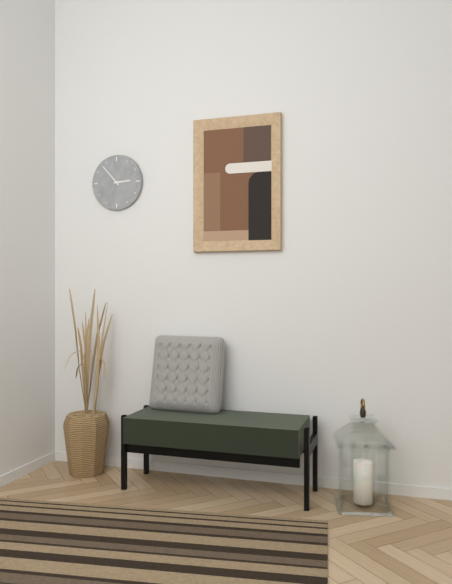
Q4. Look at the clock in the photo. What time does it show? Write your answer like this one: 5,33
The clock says 2,53
